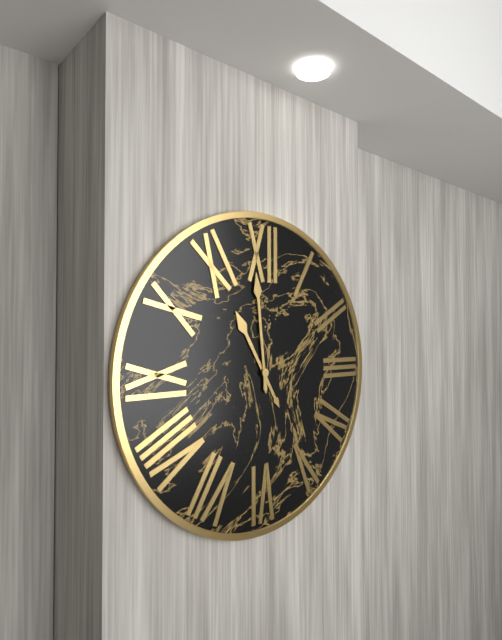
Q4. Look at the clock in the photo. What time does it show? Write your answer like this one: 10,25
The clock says 10,59
